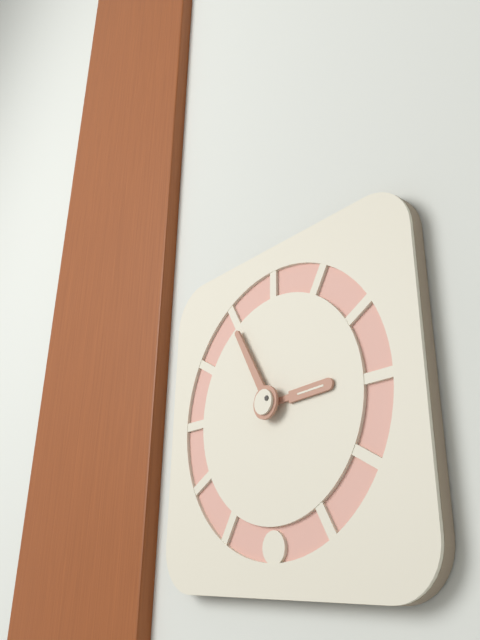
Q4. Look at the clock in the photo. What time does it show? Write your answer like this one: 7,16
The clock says 2,55
